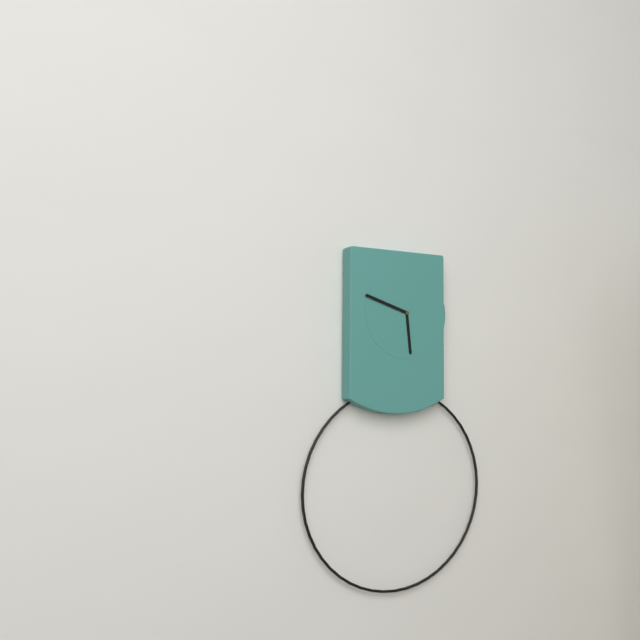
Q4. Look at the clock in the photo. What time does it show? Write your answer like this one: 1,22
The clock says 5,48
